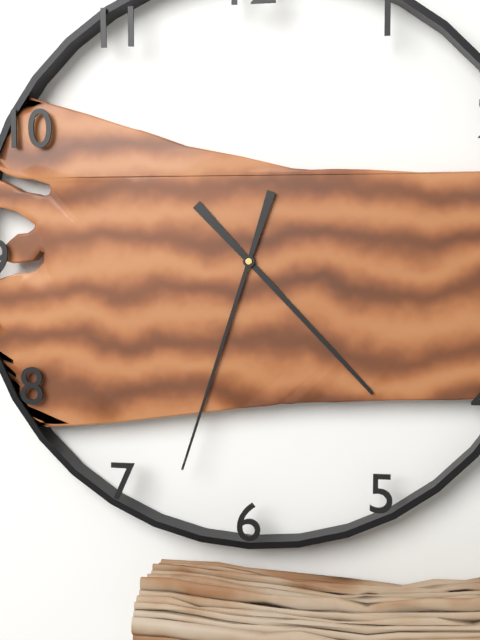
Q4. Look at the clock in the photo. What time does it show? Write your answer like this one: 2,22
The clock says 4,33
